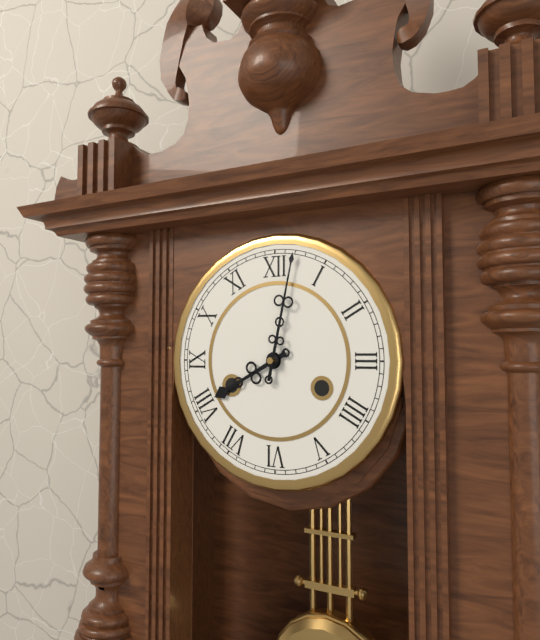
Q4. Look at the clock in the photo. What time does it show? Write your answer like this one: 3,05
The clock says 8,02
